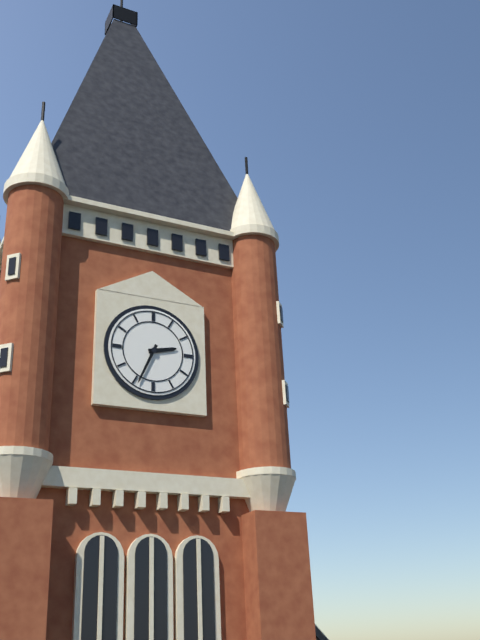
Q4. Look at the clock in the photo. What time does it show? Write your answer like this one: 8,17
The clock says 2,34
